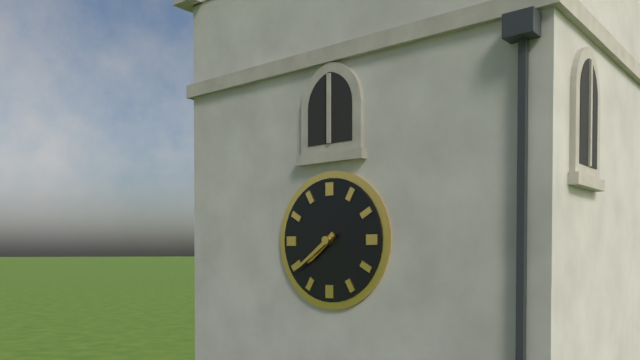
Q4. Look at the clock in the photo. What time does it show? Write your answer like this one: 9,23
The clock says 7,39
